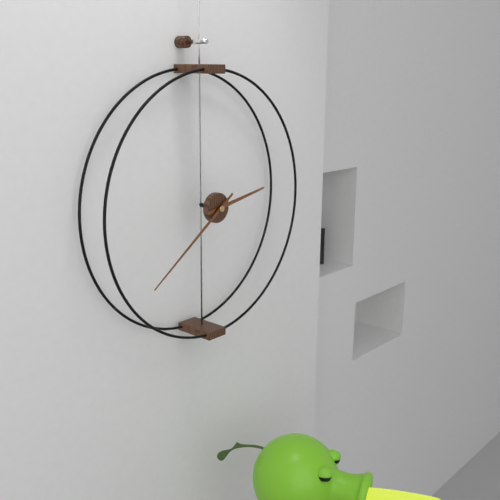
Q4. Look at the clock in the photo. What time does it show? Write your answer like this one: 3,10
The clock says 2,39
